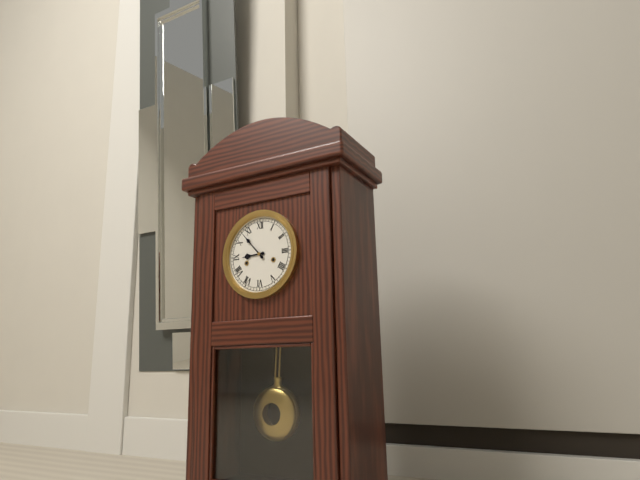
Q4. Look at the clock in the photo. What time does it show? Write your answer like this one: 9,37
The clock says 8,53
